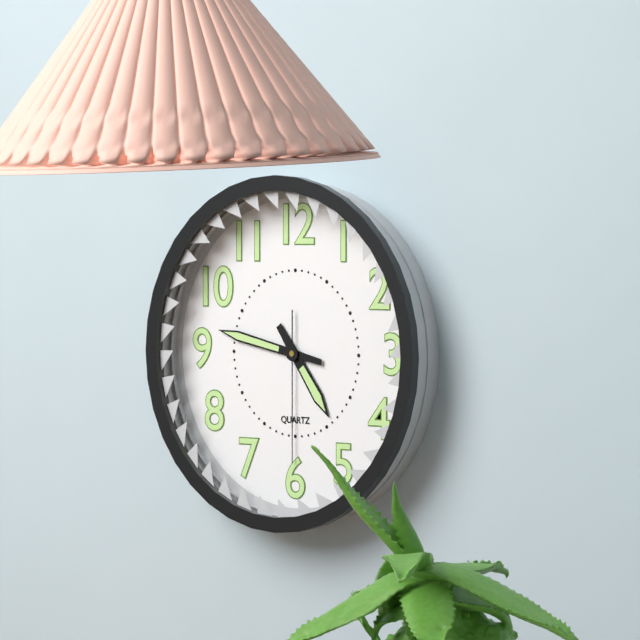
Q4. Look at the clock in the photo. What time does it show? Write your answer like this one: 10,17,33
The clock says 4,47,30
